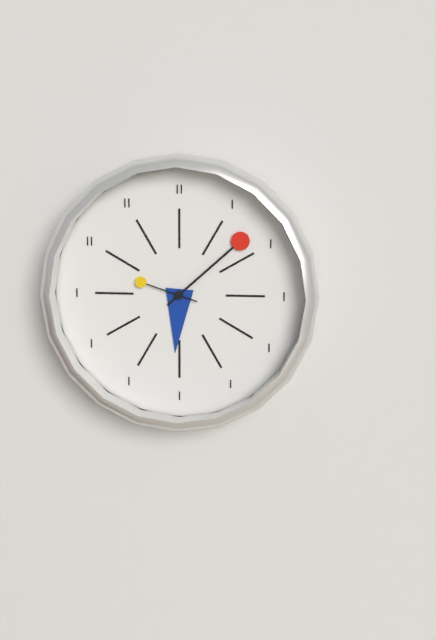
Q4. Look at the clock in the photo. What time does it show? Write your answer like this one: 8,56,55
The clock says 6,08,48
